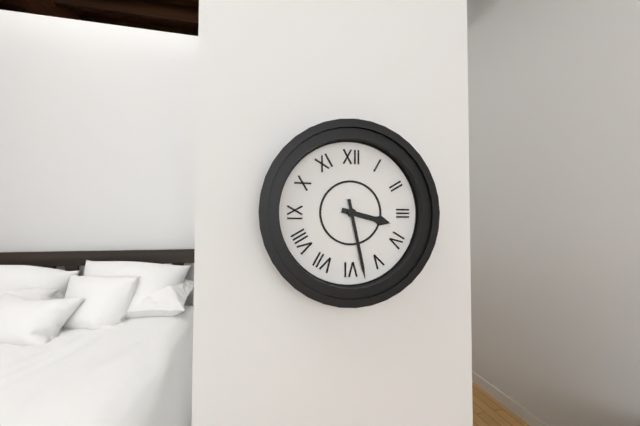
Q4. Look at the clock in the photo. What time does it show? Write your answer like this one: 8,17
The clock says 3,28
